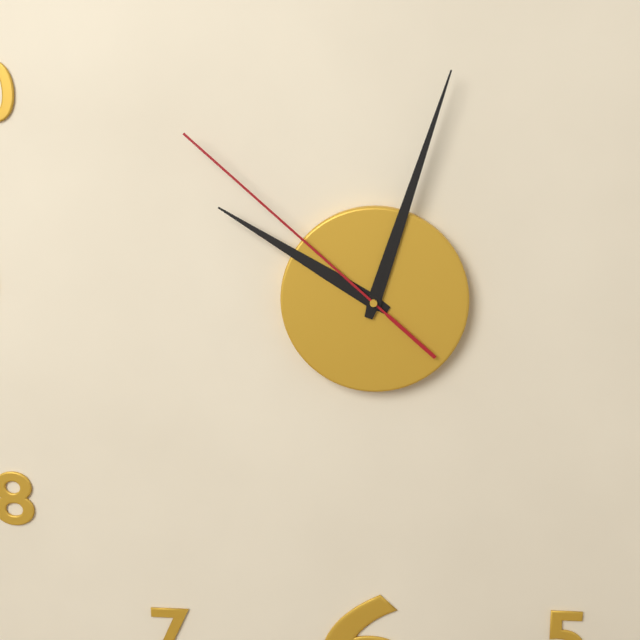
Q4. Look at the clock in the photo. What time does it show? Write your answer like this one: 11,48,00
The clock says 10,03,52
